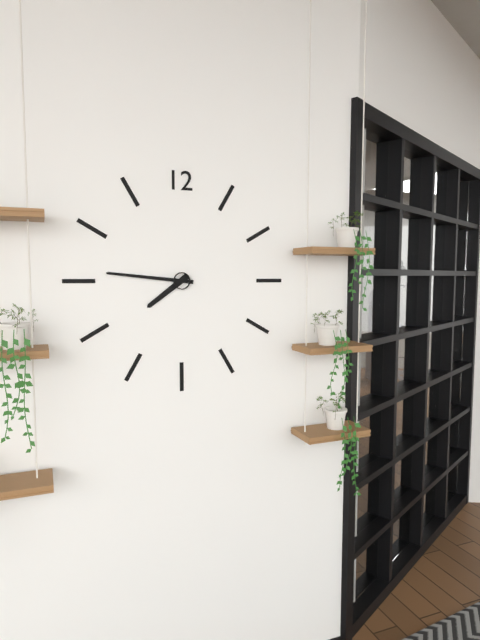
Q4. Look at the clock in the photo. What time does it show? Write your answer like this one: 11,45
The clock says 7,46
